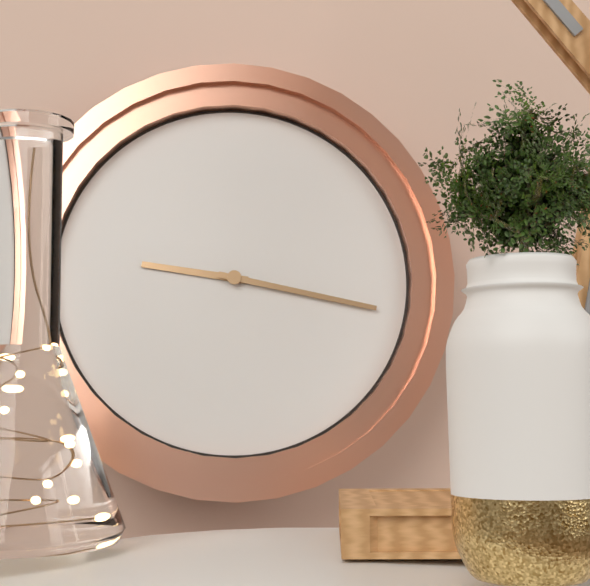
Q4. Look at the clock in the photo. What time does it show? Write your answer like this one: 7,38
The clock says 9,17
